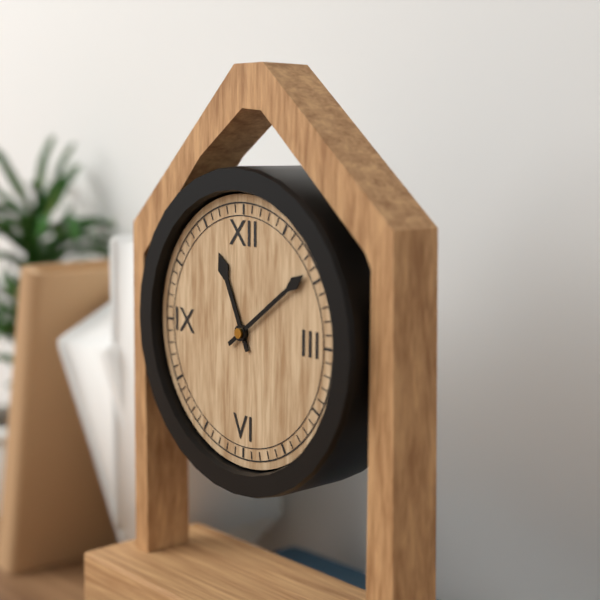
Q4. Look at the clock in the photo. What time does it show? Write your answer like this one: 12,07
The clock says 11,09
